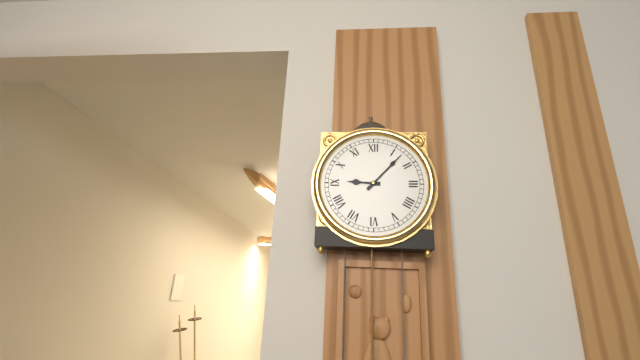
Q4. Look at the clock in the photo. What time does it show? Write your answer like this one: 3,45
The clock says 9,07
